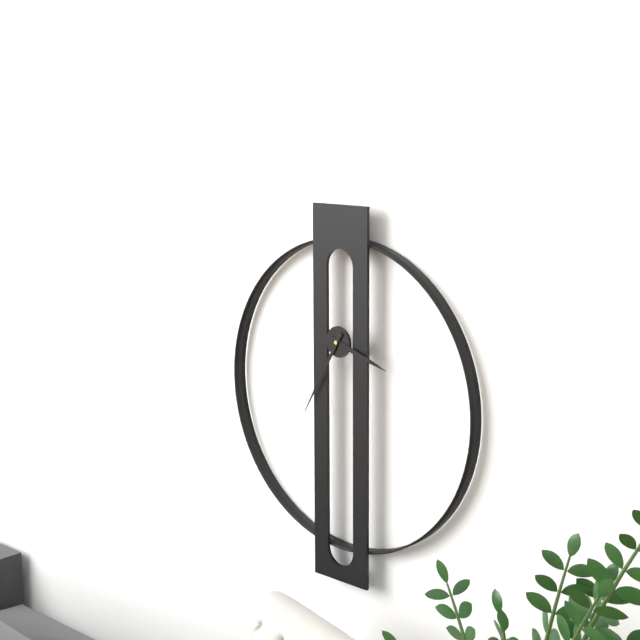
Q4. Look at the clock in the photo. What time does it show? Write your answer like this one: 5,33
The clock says 3,35
